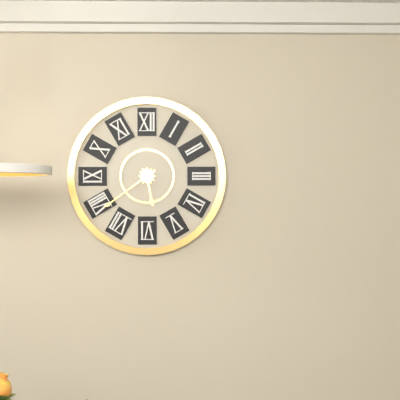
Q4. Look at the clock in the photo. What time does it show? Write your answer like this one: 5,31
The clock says 5,39
